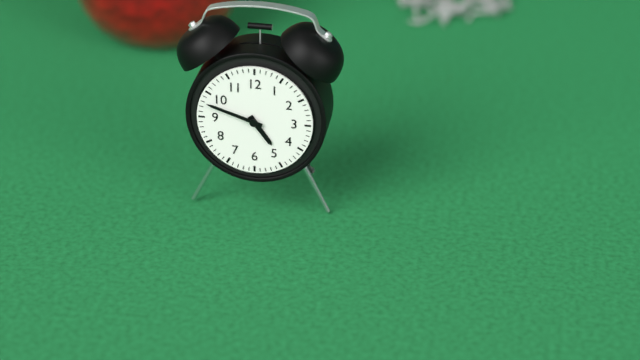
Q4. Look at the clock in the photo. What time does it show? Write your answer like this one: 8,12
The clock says 4,48
